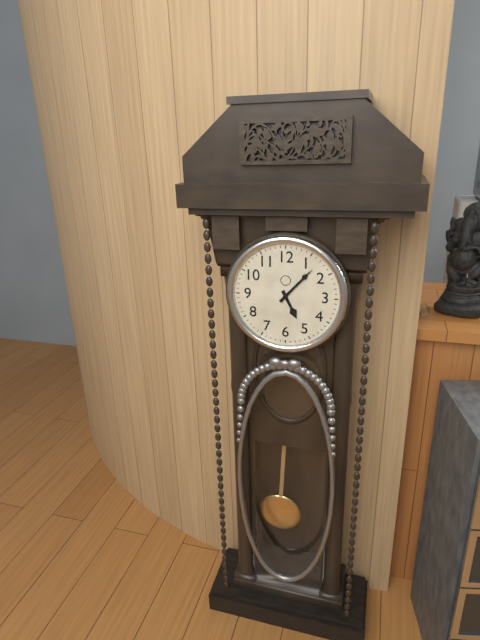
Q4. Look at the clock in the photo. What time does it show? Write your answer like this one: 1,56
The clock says 5,07
